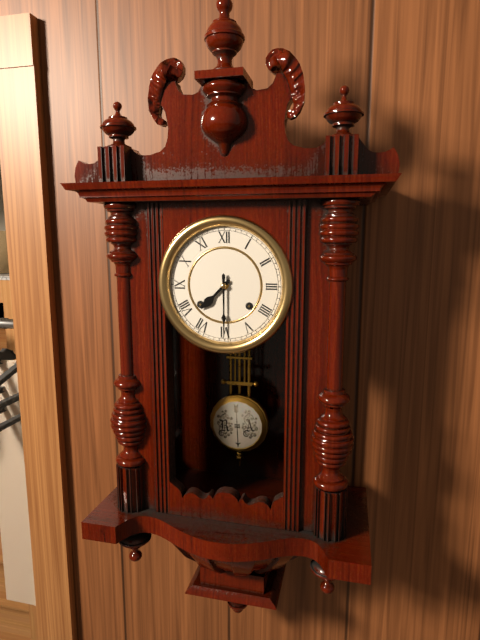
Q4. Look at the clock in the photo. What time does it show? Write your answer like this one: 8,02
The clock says 7,30
